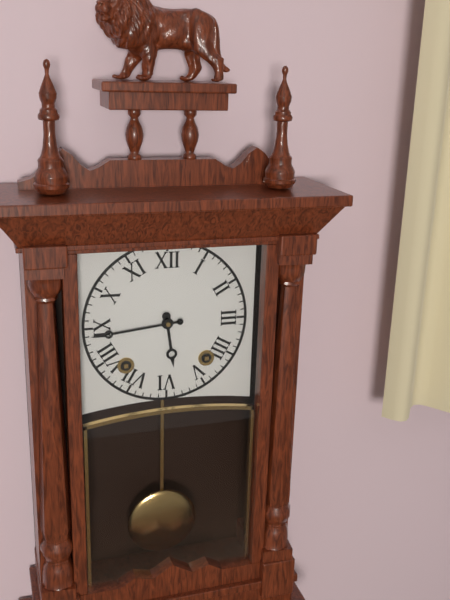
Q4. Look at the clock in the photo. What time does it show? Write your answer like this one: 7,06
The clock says 5,44
